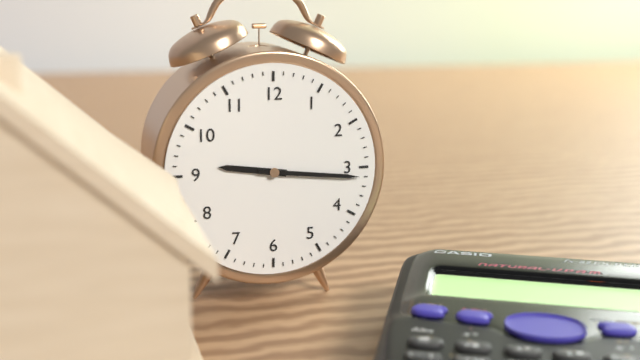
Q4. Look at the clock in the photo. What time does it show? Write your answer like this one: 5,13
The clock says 9,16
